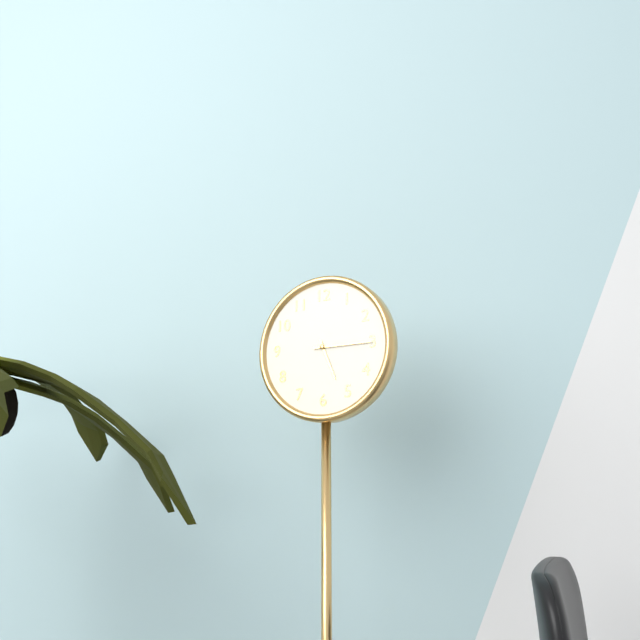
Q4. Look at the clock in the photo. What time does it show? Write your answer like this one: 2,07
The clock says 5,15
